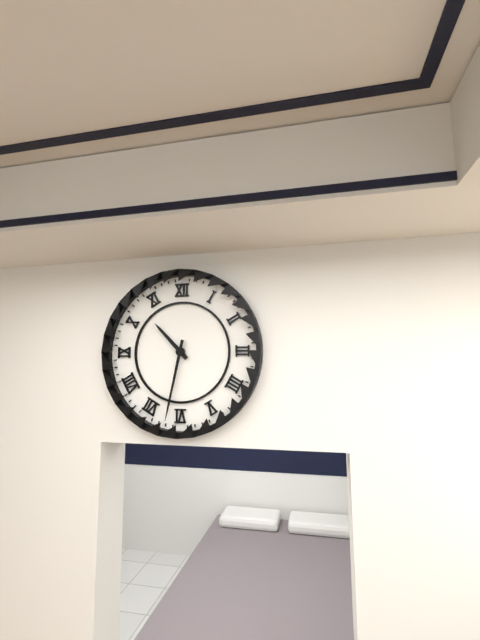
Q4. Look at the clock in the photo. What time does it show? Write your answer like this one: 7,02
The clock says 10,32
